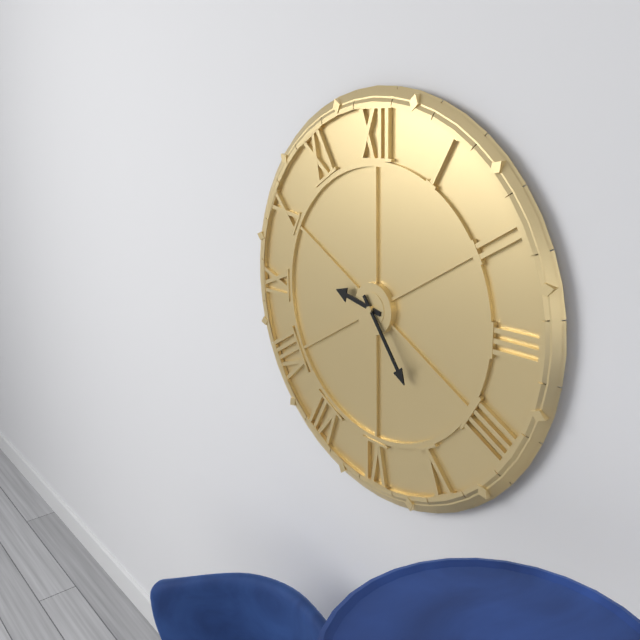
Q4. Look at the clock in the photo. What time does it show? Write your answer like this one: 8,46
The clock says 9,24
